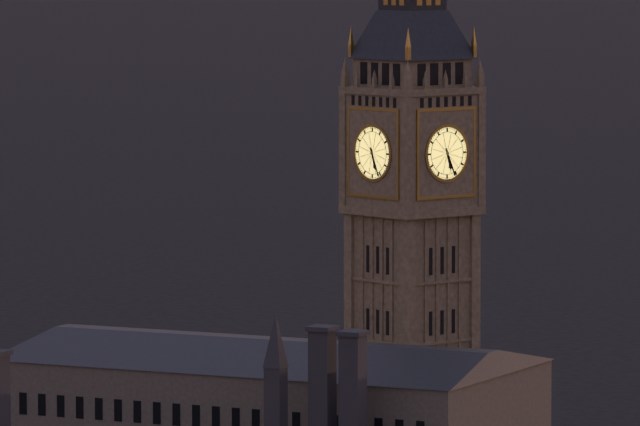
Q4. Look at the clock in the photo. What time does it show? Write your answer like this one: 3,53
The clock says 5,26
